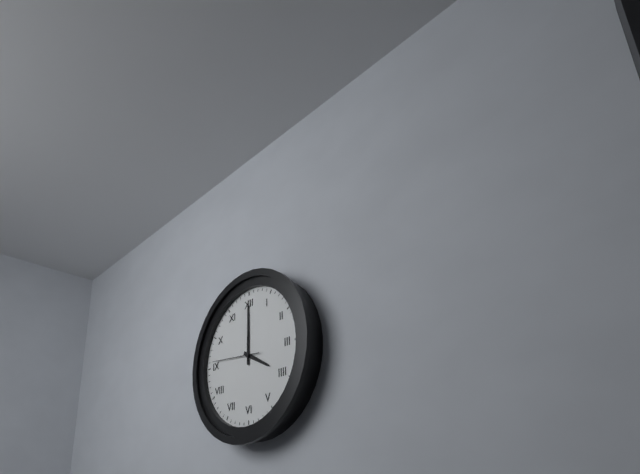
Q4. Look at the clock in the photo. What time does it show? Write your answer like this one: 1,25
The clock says 4,00
